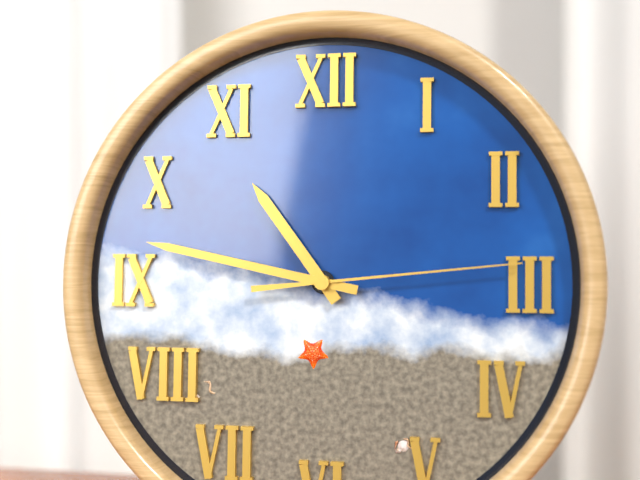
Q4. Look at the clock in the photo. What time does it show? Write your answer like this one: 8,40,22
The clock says 10,47,14
